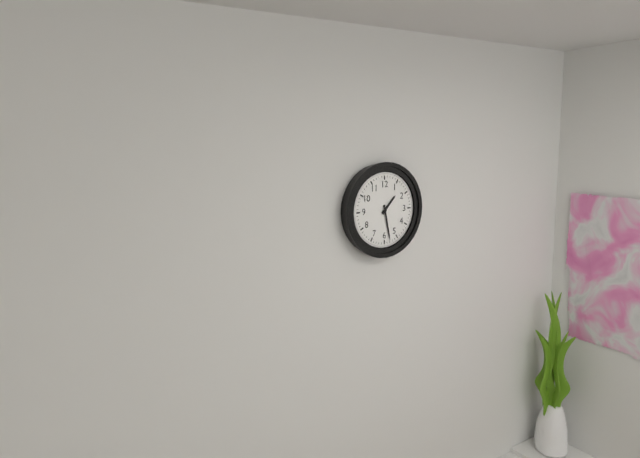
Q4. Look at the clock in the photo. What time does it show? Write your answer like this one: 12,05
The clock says 1,28
